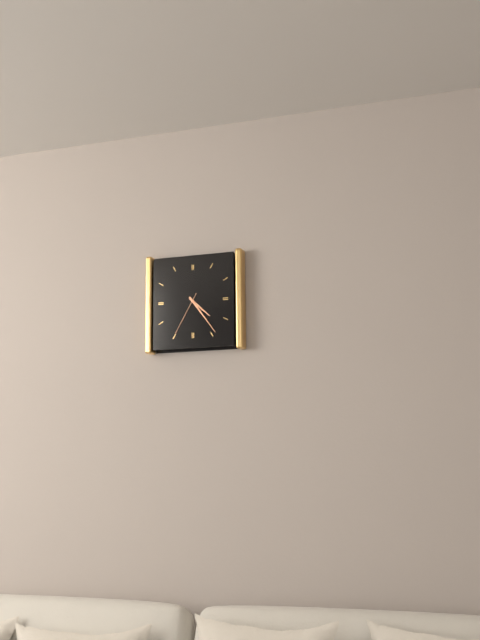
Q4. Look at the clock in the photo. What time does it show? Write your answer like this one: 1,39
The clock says 4,24
